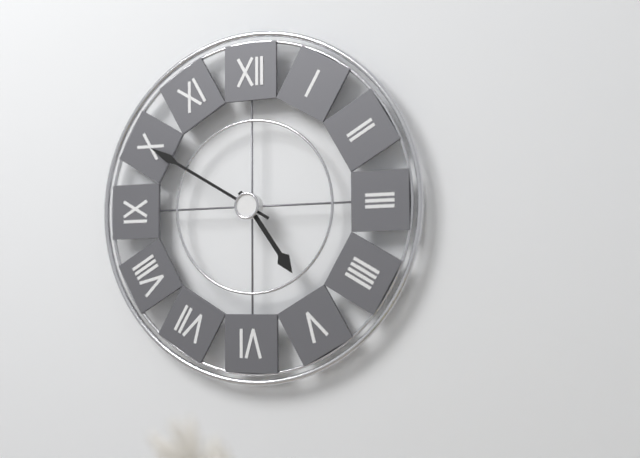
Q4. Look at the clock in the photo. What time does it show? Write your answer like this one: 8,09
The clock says 4,50
